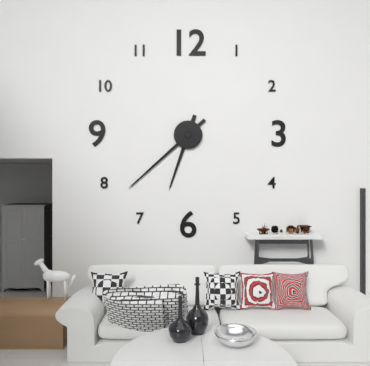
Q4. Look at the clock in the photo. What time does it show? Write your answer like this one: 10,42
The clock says 6,38
